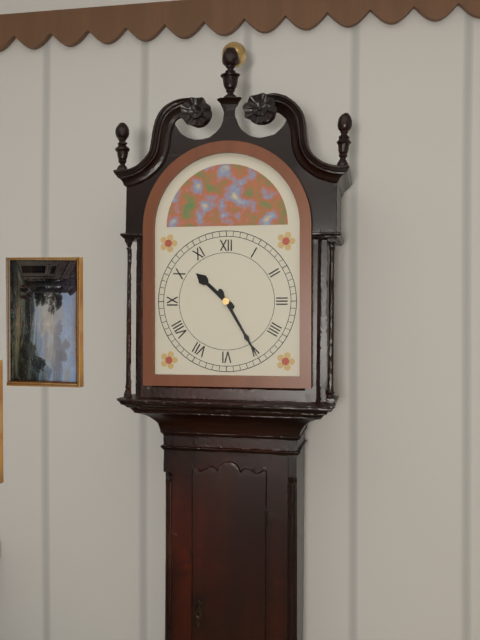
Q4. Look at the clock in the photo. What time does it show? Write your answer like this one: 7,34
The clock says 10,25
